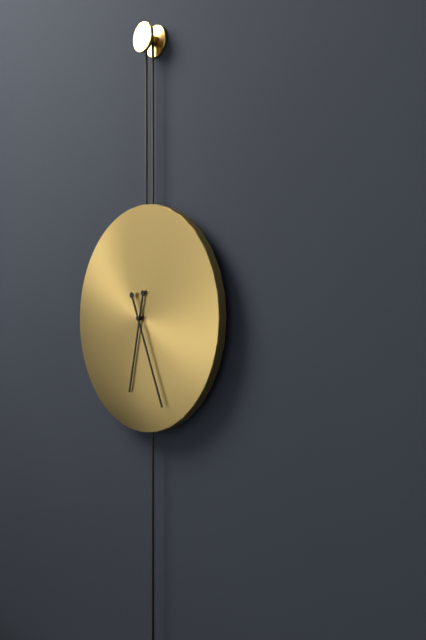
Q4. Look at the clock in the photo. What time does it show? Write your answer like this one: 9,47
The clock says 6,26
